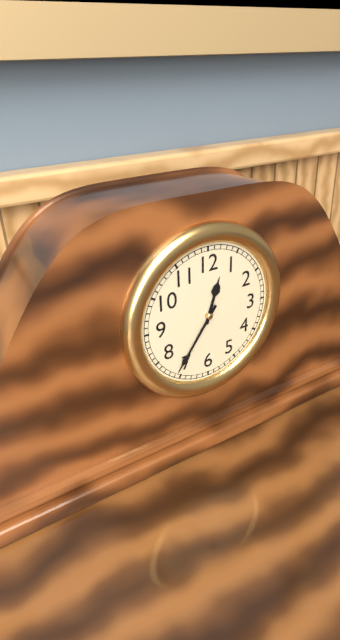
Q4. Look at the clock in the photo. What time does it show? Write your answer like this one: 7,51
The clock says 12,36
